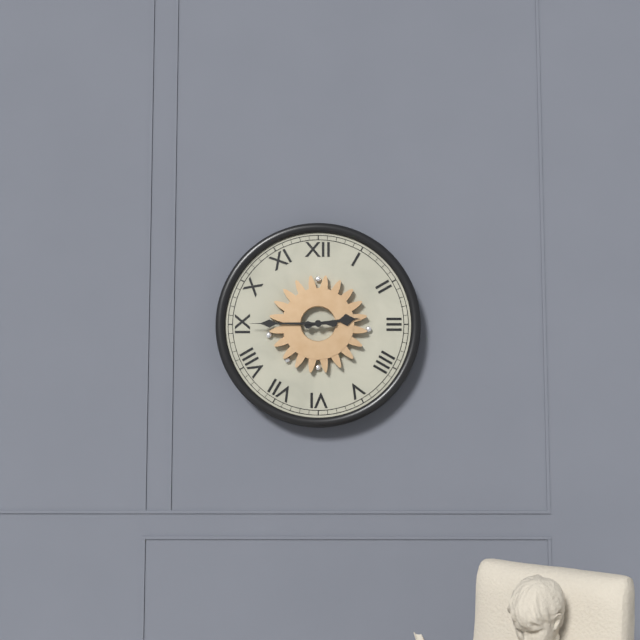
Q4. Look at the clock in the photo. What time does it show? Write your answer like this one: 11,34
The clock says 2,45
